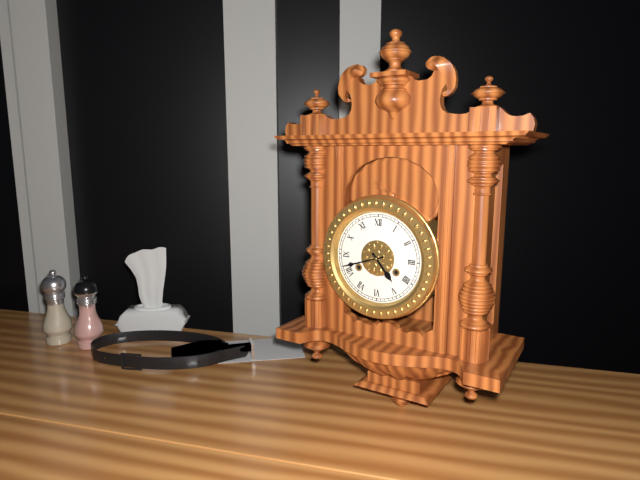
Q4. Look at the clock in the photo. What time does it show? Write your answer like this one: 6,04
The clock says 4,42
